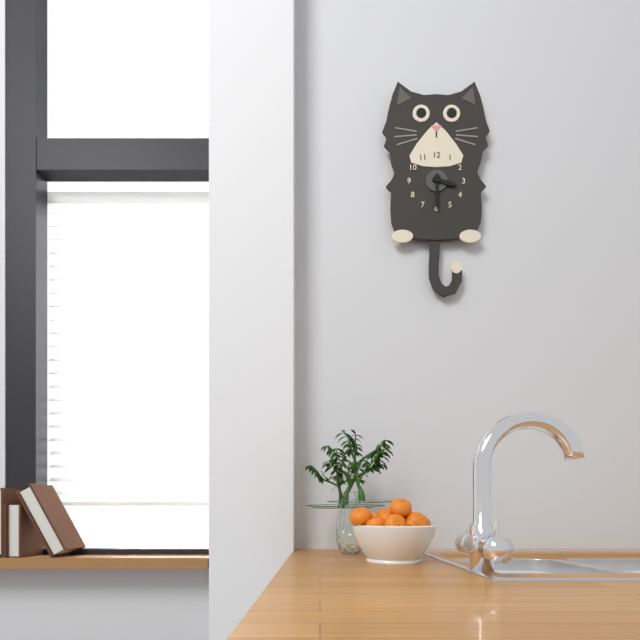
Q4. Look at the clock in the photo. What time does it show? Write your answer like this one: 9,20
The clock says 3,30
